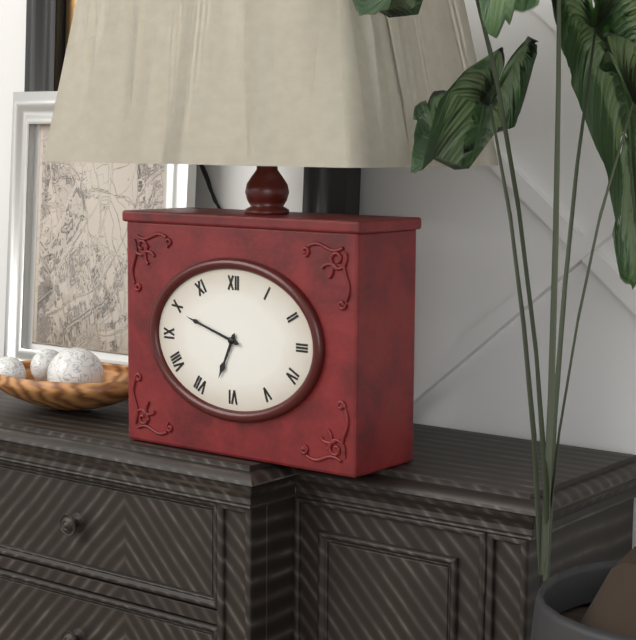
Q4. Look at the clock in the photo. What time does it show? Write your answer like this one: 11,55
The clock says 6,48
